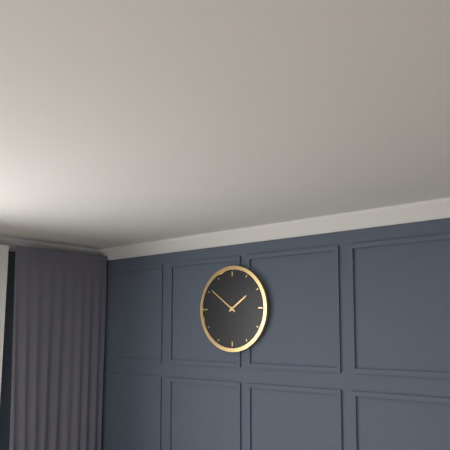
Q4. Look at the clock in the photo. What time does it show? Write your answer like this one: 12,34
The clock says 1,51
